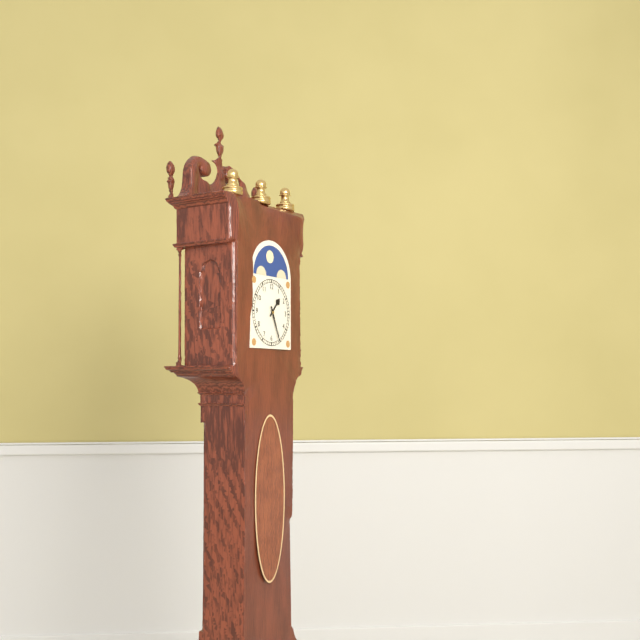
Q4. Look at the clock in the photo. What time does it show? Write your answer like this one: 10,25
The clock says 1,26
